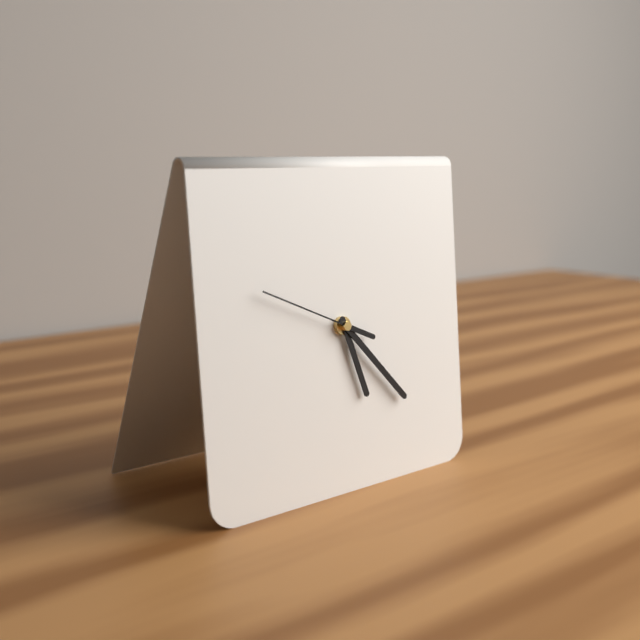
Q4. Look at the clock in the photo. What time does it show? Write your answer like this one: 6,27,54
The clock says 5,23,49
